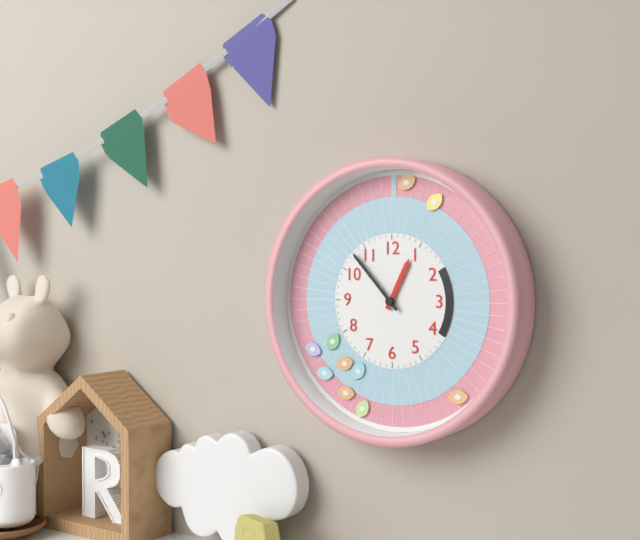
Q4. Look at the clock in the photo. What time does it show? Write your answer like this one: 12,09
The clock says 12,53
